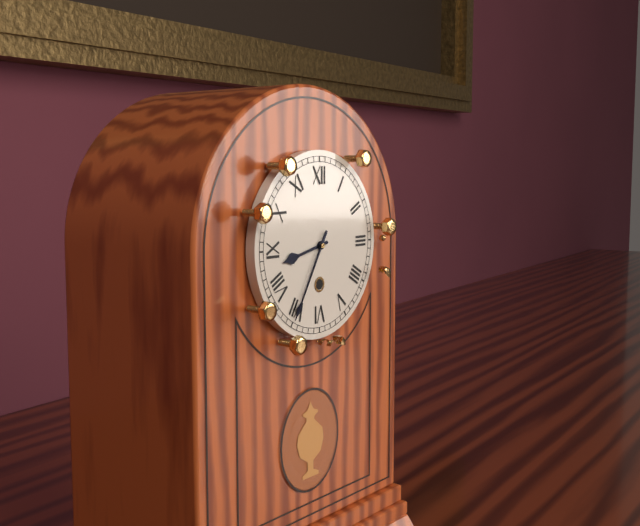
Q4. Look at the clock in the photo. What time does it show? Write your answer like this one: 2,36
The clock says 8,35
